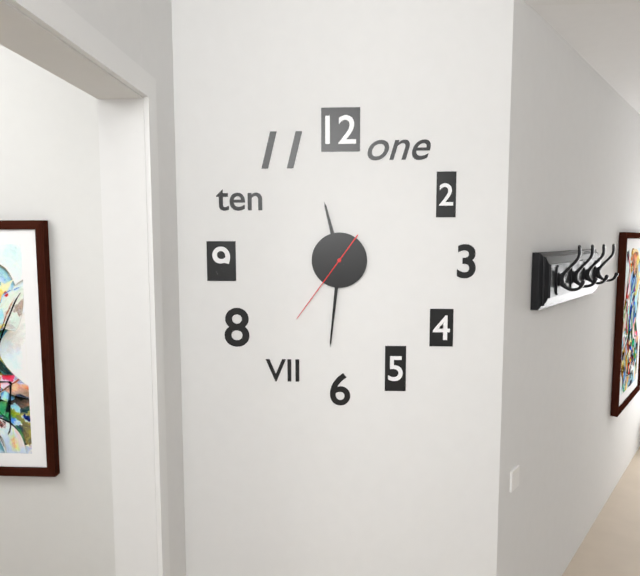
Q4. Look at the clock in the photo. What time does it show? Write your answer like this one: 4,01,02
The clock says 11,31,36
